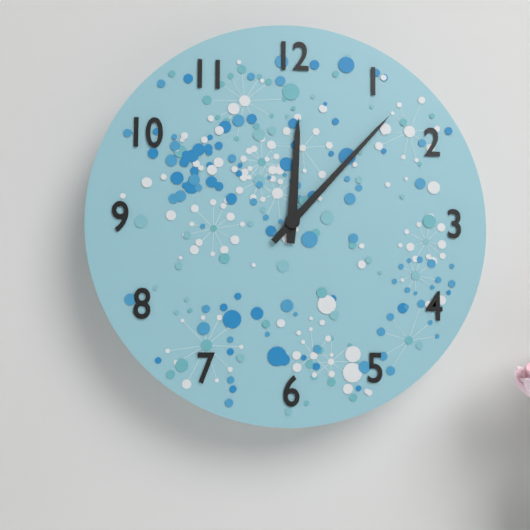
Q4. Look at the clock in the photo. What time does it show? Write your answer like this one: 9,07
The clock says 12,07
